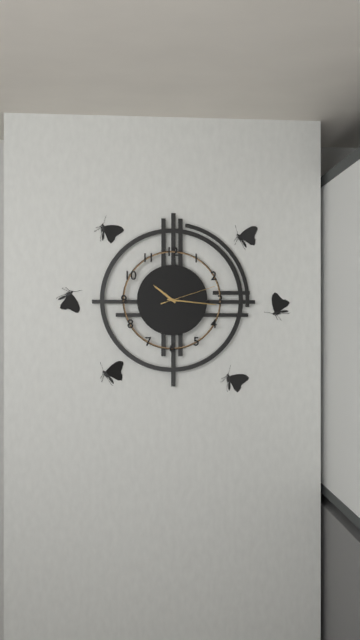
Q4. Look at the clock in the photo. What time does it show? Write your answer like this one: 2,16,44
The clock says 10,16,12
